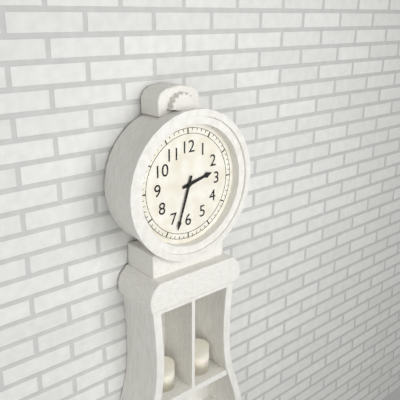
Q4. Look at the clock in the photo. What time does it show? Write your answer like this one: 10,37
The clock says 2,33
